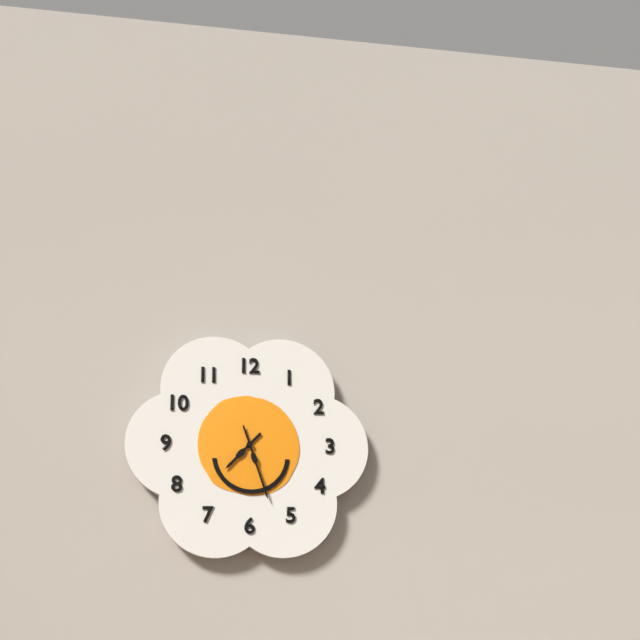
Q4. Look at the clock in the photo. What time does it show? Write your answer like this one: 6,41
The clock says 7,27
